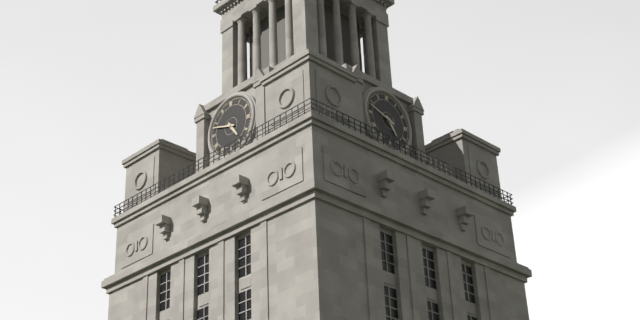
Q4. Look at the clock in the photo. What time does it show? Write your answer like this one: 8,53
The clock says 4,48
